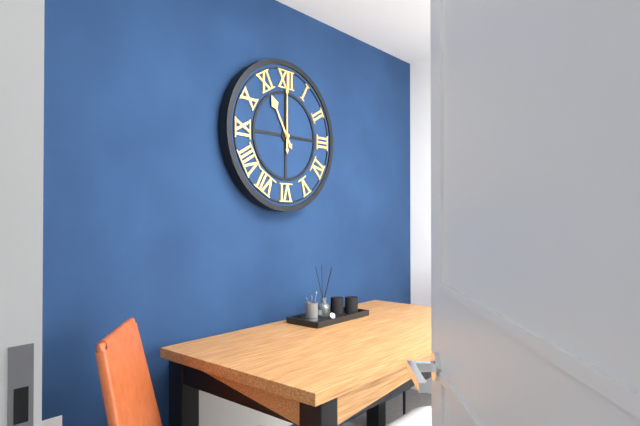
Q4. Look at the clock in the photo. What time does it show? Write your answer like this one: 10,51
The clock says 11,00
